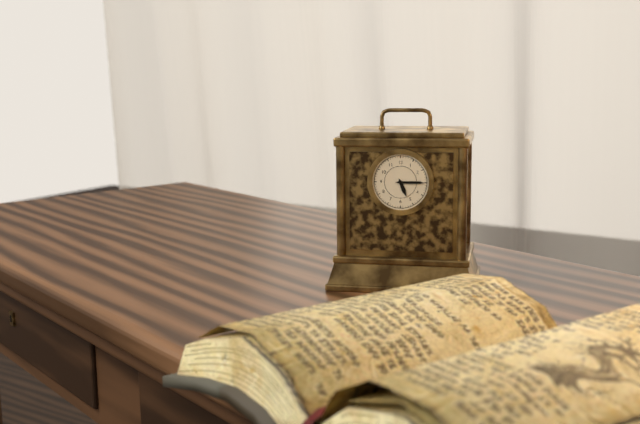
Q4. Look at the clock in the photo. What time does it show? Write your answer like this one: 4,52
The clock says 5,15
